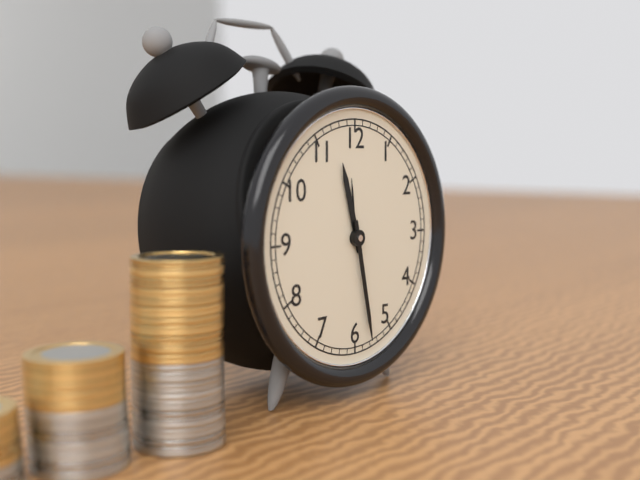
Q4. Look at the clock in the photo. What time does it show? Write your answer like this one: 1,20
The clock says 11,28
